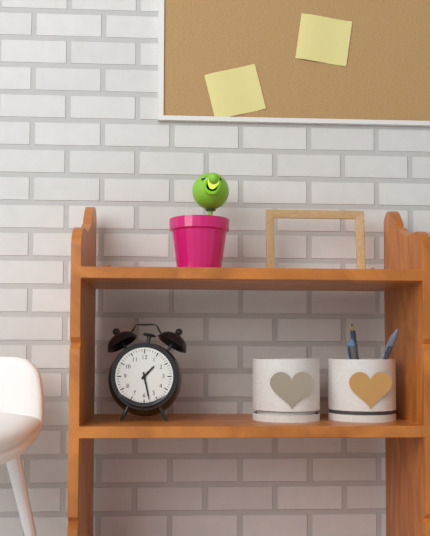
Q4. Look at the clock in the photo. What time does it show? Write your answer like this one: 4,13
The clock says 1,28
